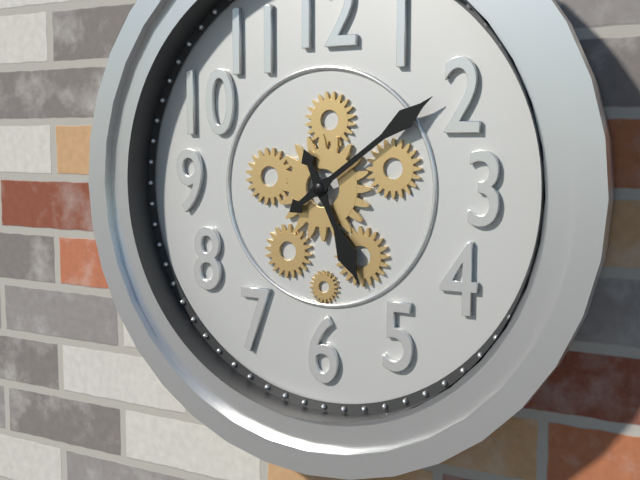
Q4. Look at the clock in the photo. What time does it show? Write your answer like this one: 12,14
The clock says 5,09
